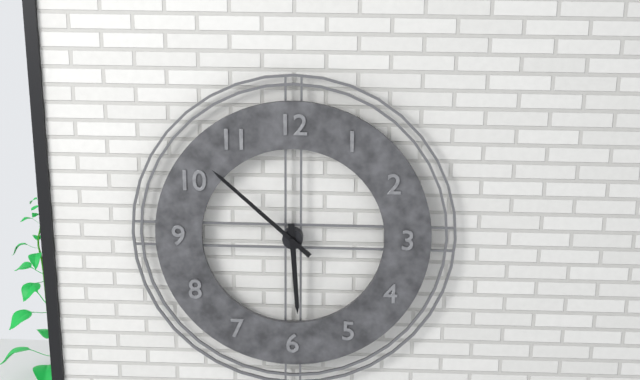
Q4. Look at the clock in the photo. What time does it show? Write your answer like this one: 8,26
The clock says 5,52
